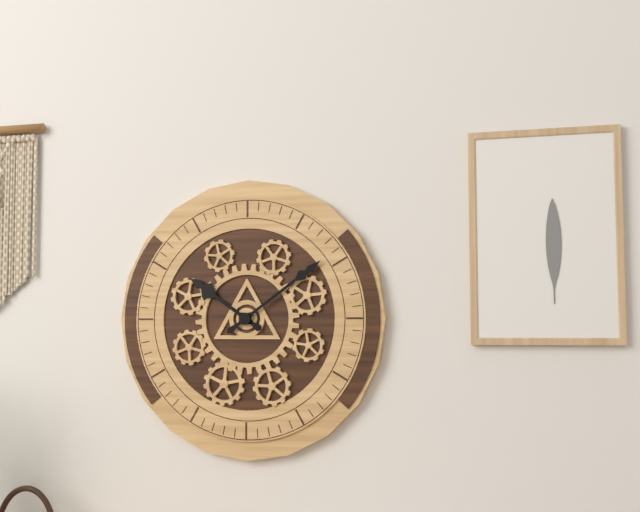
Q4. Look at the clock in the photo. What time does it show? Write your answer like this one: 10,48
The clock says 10,09
